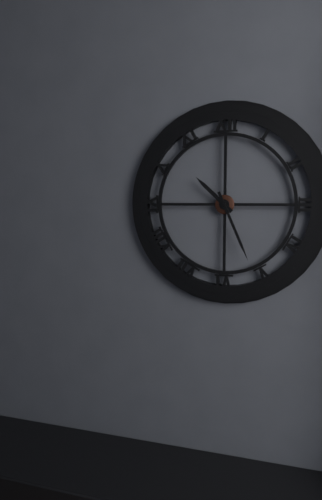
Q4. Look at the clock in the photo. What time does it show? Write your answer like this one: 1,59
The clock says 10,26
